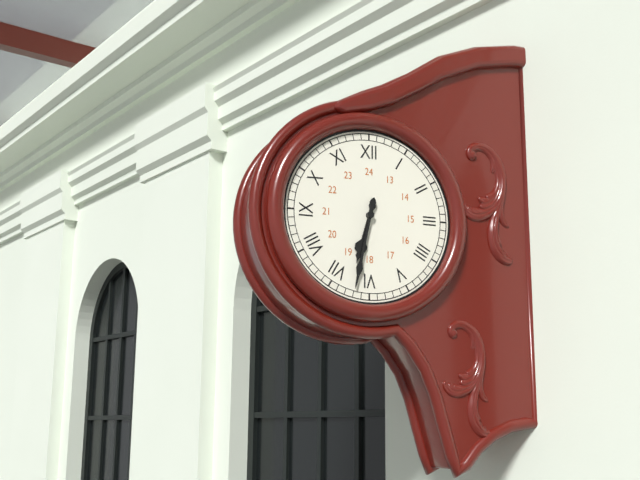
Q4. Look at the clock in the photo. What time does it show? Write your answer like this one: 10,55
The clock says 6,32
